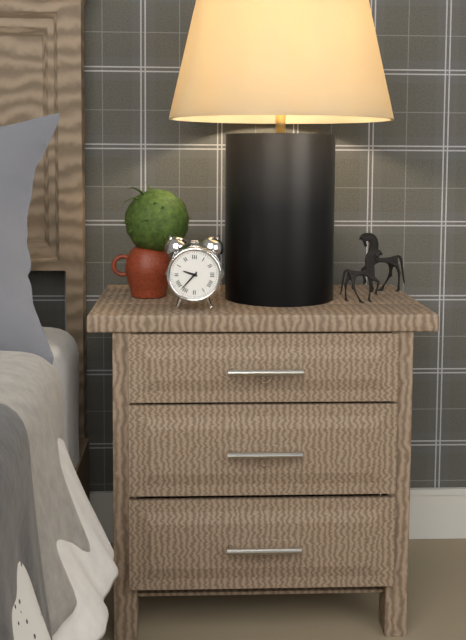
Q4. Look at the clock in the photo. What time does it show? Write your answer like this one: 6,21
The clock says 9,37
